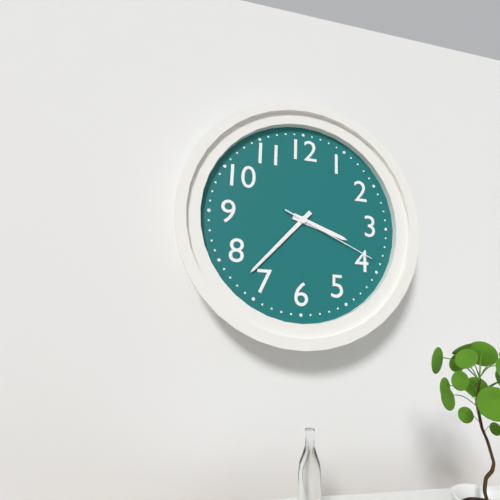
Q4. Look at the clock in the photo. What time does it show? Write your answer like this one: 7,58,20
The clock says 3,37,19
